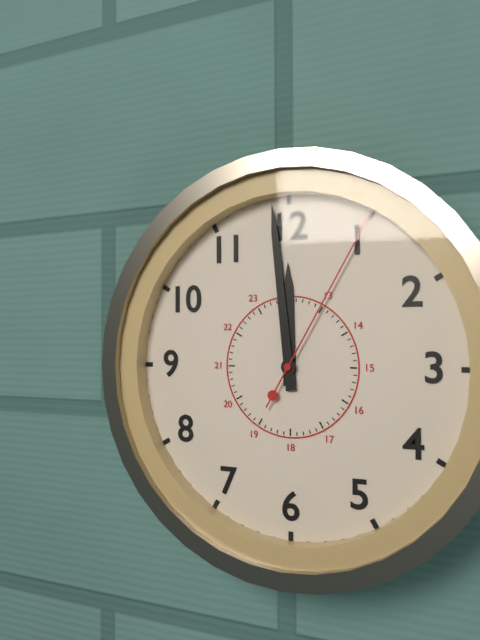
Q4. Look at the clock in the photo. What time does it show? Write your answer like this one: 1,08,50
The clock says 11,59,05
